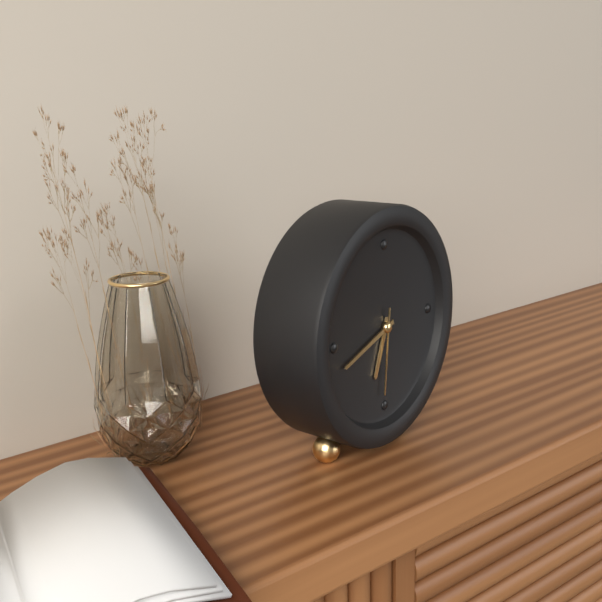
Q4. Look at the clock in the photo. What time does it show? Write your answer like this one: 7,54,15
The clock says 6,42,31
